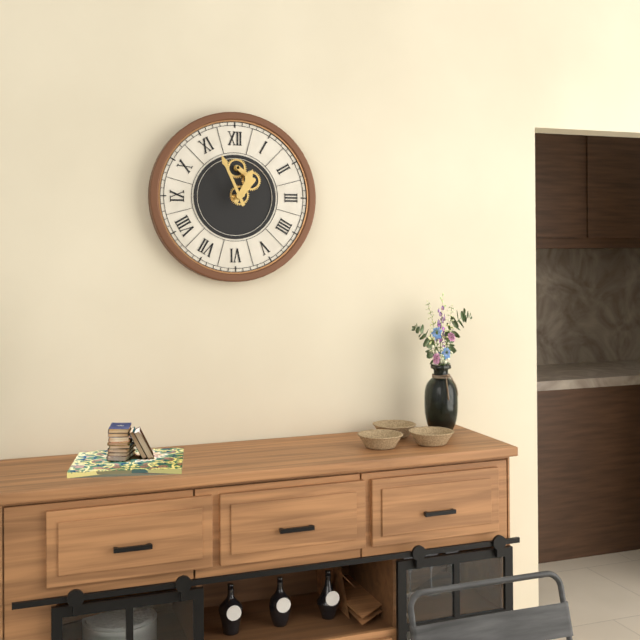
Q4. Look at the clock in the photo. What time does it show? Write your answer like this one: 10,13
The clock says 12,56
